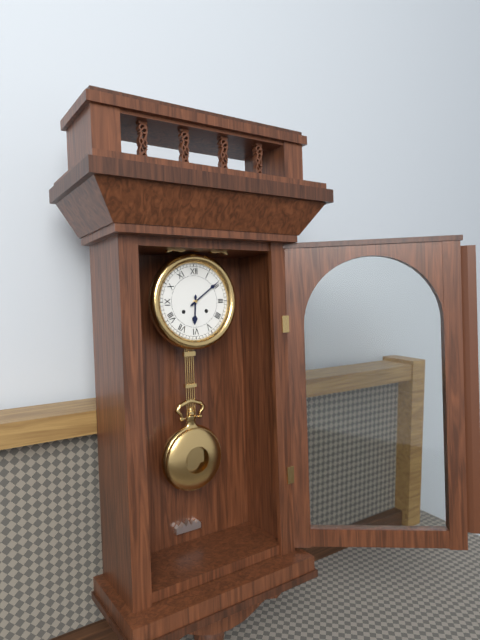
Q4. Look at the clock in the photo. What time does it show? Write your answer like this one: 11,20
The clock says 6,09
